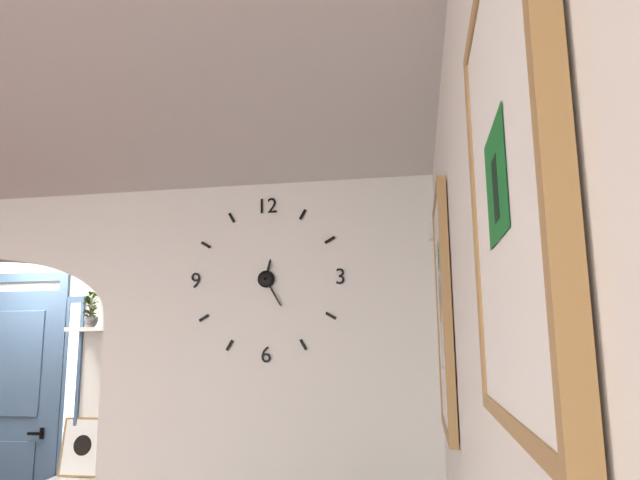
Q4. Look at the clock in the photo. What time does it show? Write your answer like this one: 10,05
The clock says 12,25
